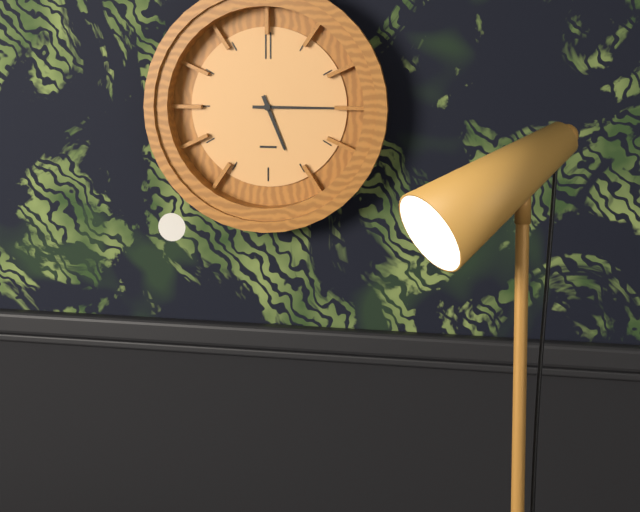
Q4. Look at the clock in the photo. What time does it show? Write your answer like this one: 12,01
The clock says 5,15
